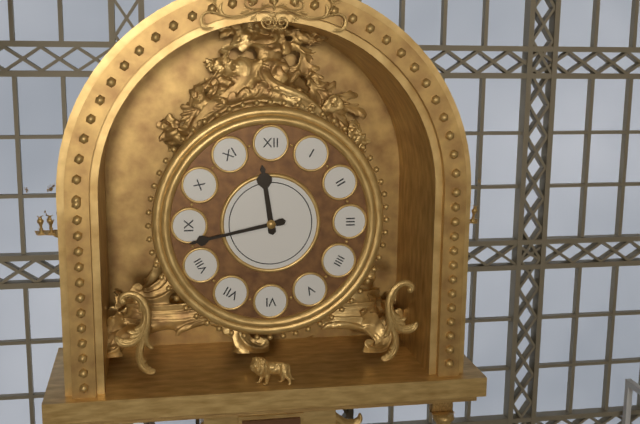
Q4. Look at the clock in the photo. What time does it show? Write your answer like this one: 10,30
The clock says 11,43
